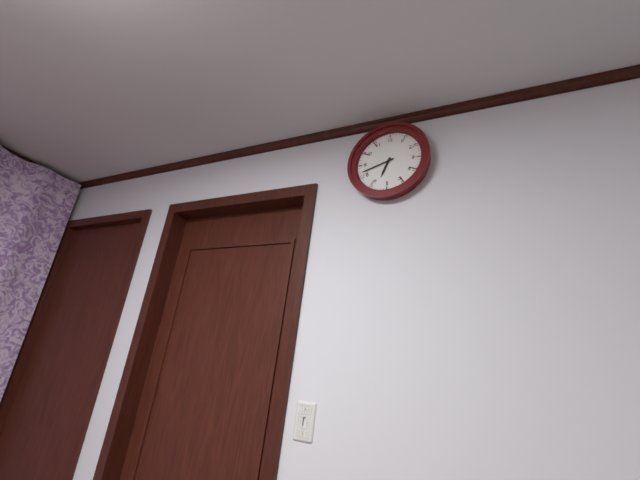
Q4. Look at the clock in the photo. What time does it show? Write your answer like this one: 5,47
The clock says 6,42
